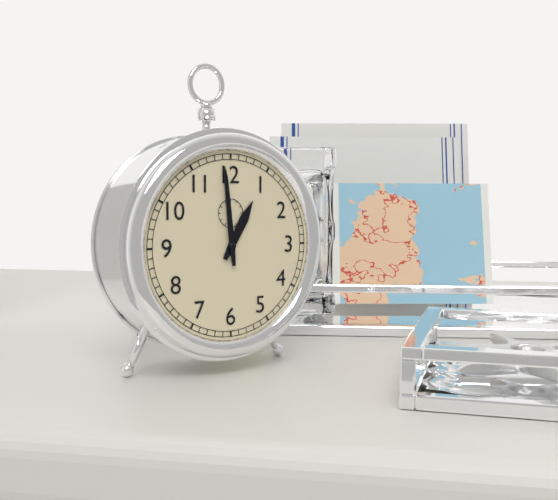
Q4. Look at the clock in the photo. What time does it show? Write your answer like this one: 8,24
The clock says 12,59
